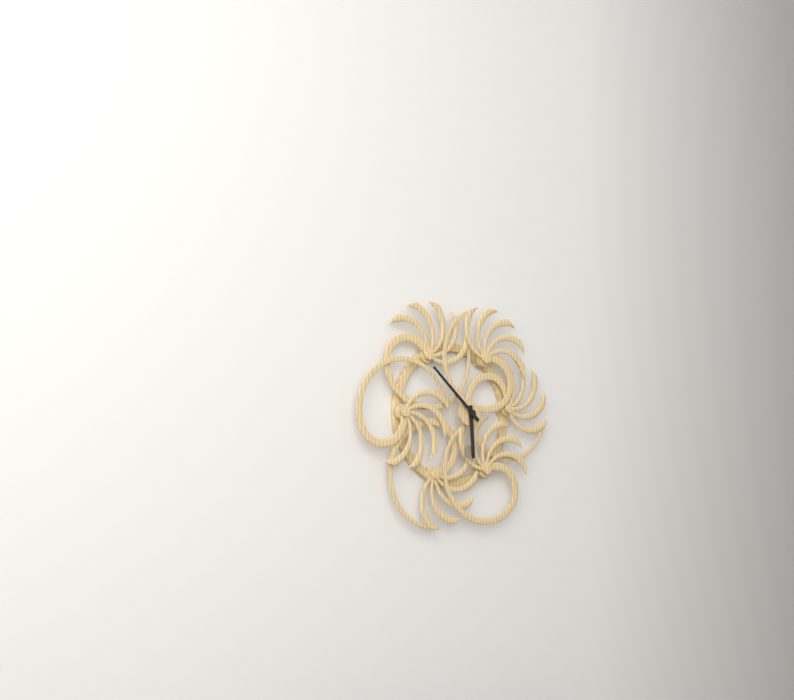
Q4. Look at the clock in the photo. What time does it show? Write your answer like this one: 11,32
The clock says 5,52
